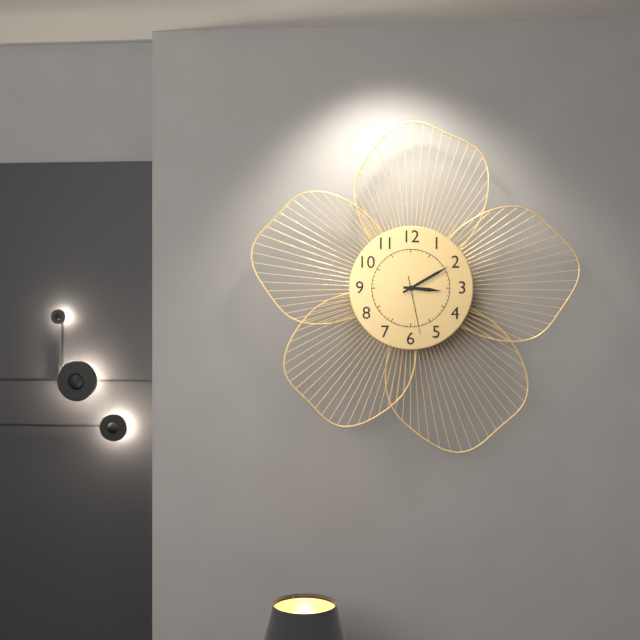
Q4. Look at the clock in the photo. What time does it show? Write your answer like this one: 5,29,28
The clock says 3,10,28
